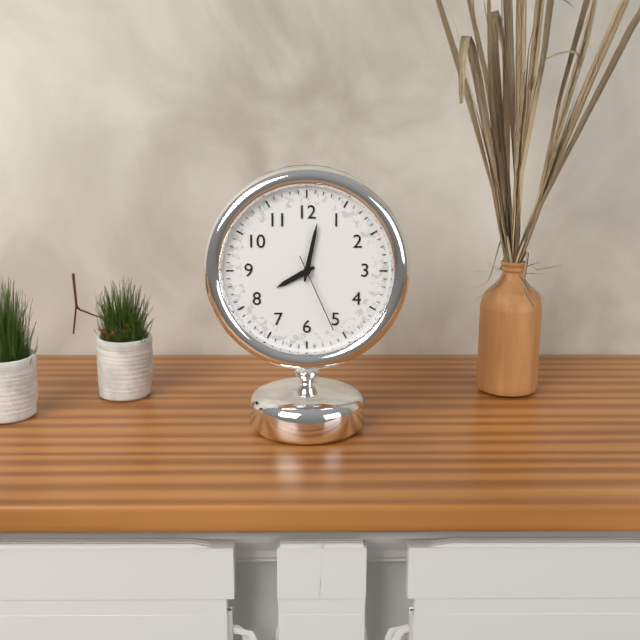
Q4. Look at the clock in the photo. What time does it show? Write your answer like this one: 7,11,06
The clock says 8,02,26
